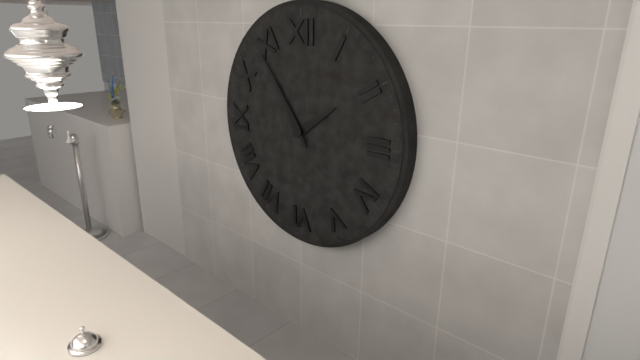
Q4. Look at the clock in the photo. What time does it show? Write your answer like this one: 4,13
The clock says 1,54
